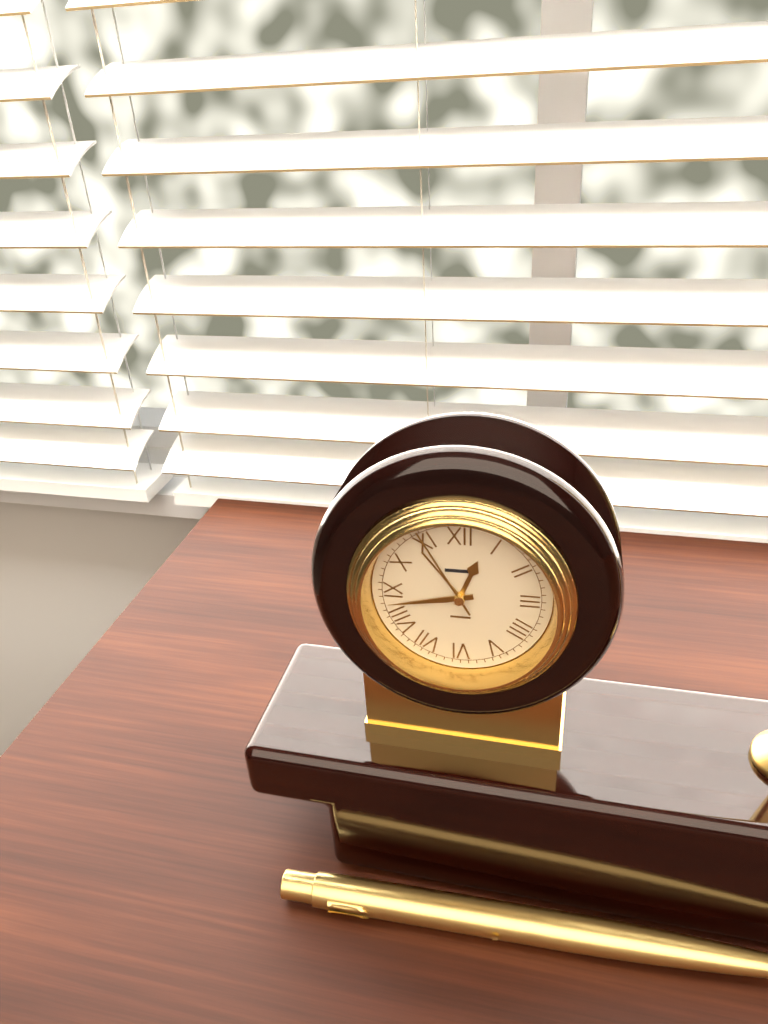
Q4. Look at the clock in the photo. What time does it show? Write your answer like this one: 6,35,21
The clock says 12,43,55
